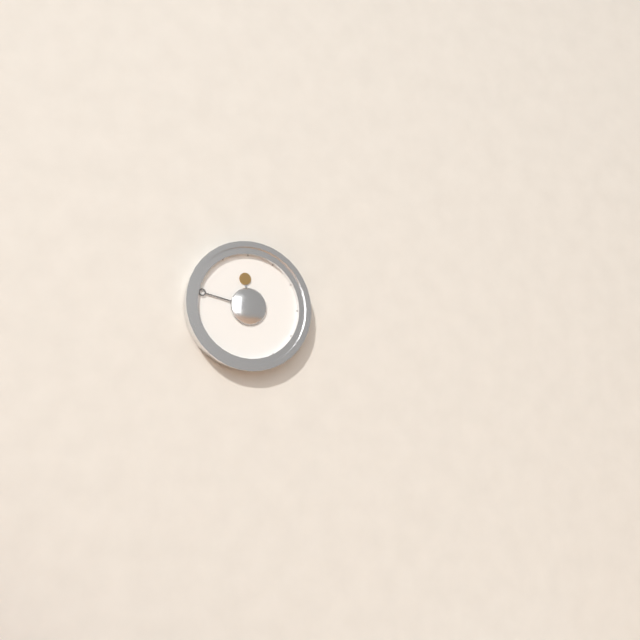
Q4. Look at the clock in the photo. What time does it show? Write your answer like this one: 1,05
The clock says 11,47
